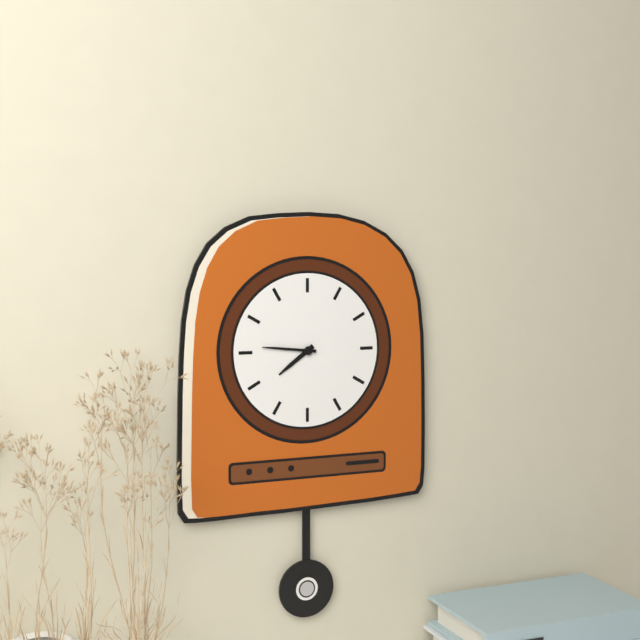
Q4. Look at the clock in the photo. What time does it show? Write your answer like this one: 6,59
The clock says 7,46
